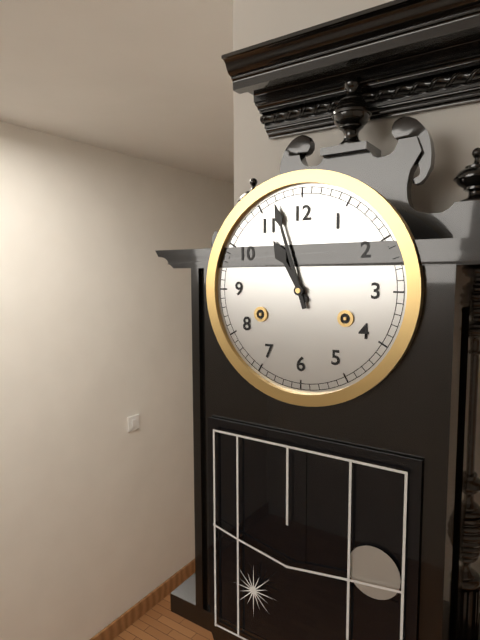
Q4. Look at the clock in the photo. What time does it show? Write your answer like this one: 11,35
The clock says 10,57
